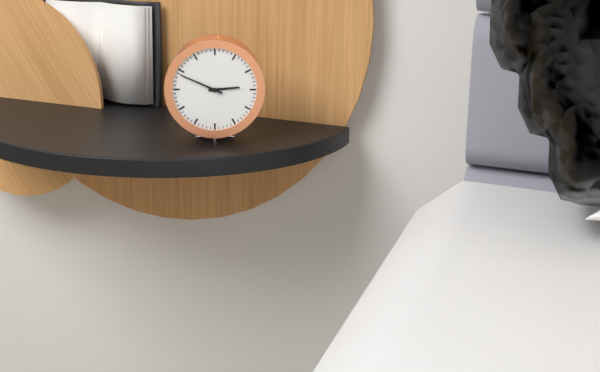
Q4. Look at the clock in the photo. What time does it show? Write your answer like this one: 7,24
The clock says 2,49
